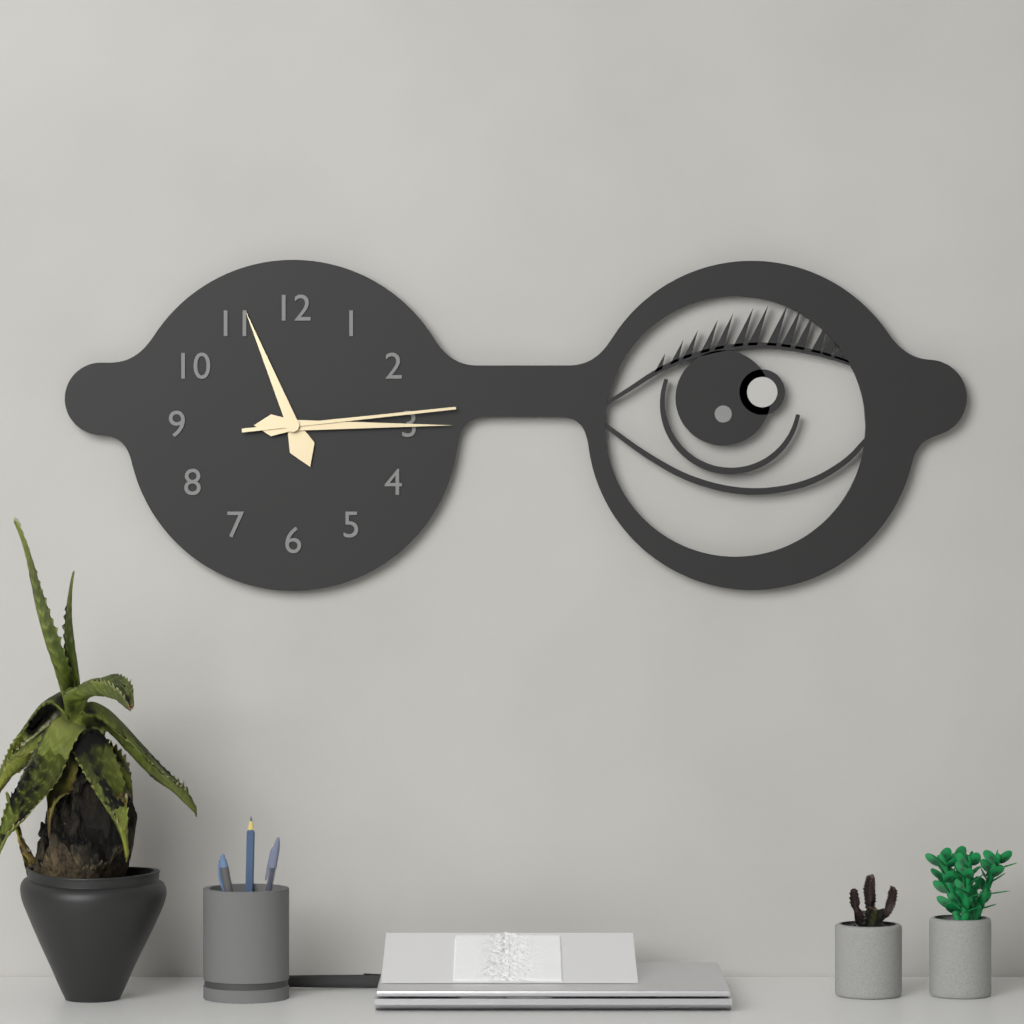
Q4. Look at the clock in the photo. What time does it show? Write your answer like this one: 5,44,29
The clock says 11,15,14
